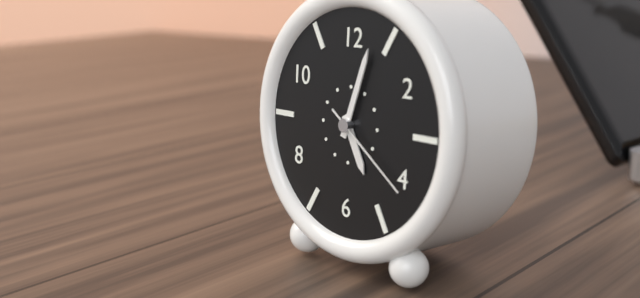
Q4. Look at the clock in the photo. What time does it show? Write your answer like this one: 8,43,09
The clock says 5,03,21
